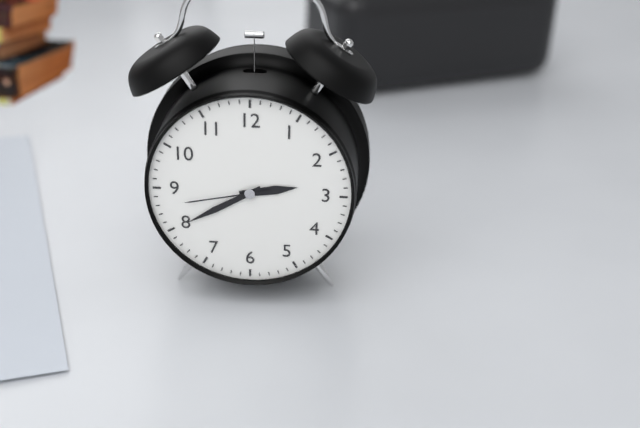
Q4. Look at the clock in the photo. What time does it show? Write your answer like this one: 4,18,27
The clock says 2,40,43
